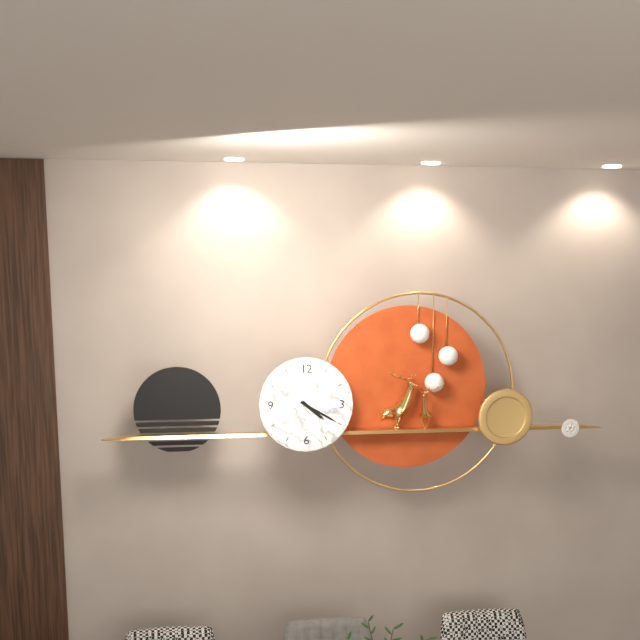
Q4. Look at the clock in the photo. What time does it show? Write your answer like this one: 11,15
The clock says 4,20
